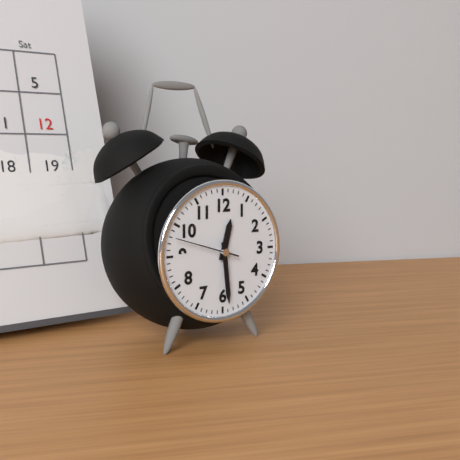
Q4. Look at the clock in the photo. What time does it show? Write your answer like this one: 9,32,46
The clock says 12,29,48
